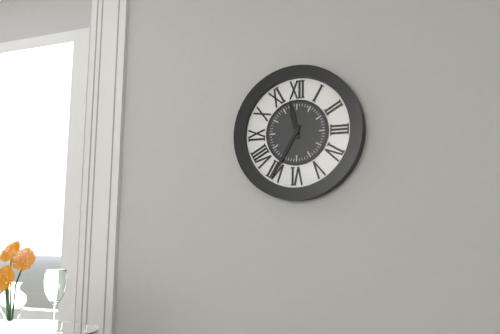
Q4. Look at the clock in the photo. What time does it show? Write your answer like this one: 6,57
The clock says 11,35
